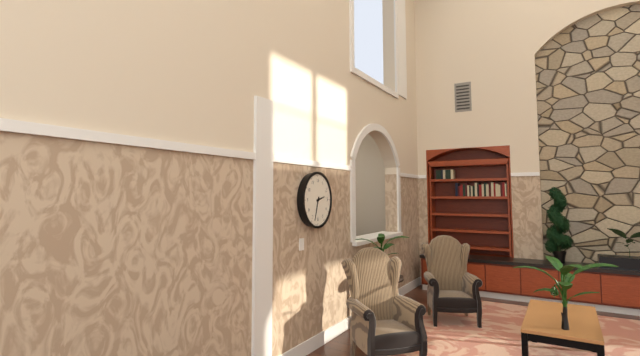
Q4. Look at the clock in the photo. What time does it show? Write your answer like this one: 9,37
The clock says 2,33
